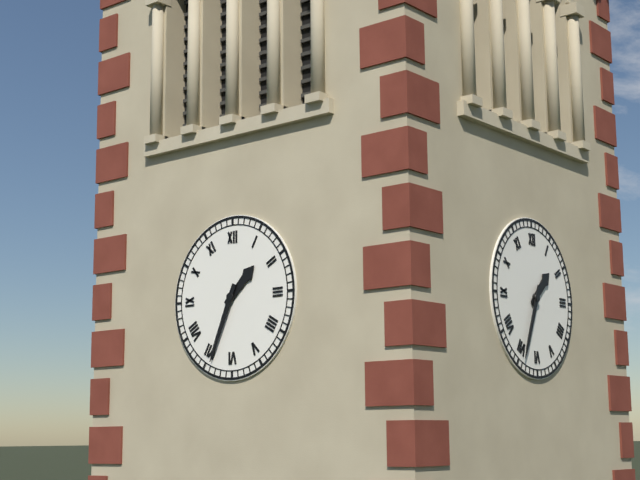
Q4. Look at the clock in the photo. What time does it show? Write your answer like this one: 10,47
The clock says 1,34
